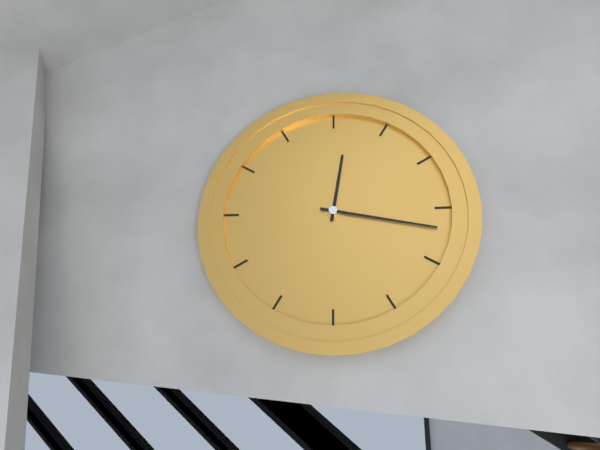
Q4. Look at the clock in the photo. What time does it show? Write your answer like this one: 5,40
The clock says 12,17
